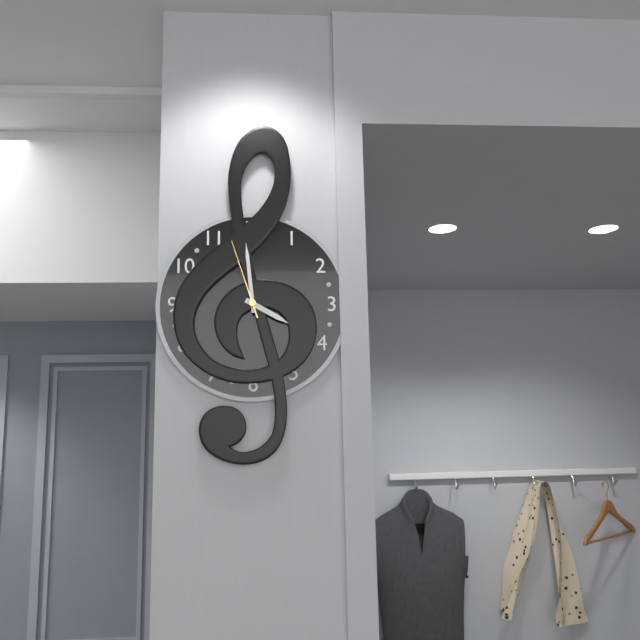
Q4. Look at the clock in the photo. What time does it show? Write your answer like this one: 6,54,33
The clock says 3,59,57
